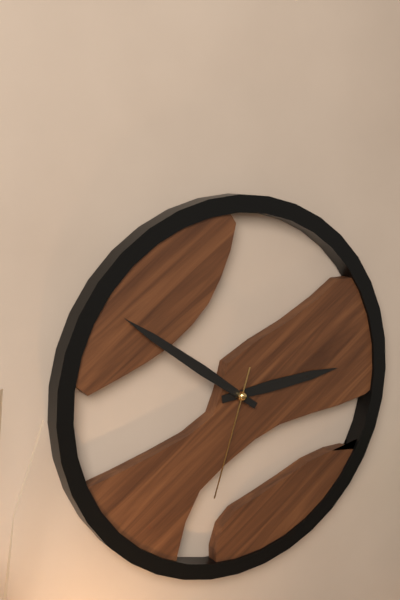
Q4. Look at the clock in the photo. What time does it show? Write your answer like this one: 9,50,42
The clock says 2,51,33
